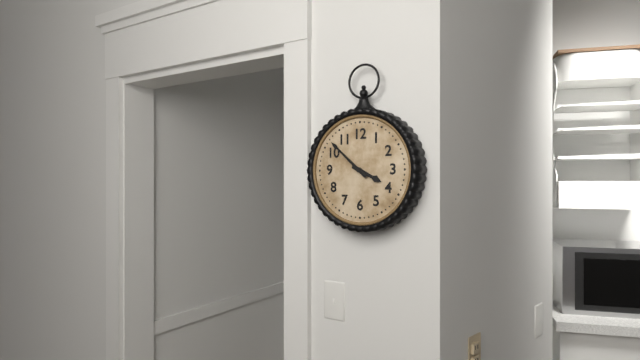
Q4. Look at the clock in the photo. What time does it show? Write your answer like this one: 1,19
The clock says 3,52
